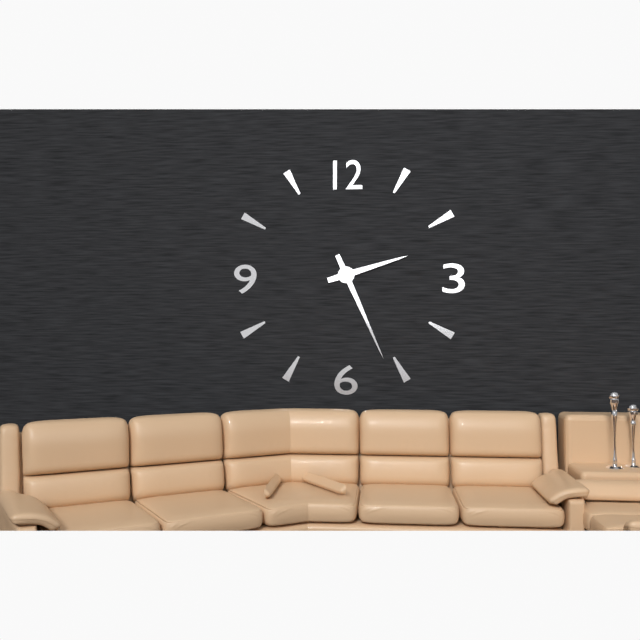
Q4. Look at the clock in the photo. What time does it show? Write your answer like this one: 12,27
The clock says 2,26
